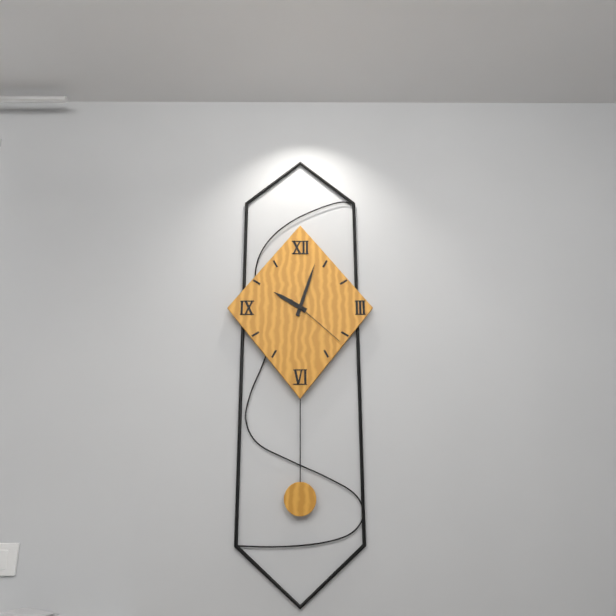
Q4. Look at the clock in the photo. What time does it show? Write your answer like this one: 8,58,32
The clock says 10,03,22
